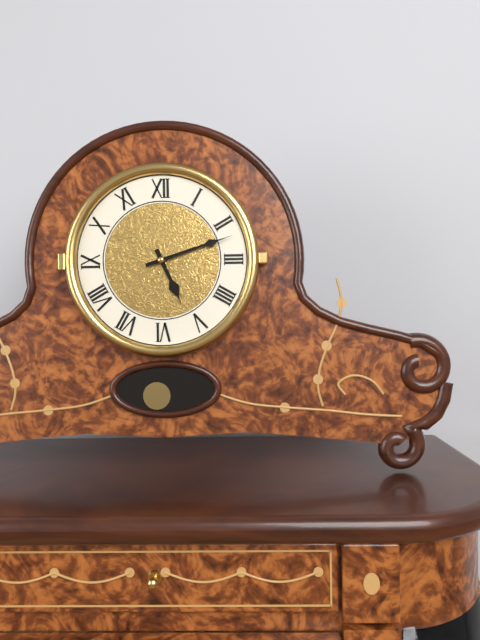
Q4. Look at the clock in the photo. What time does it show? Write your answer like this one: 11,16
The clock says 5,12
